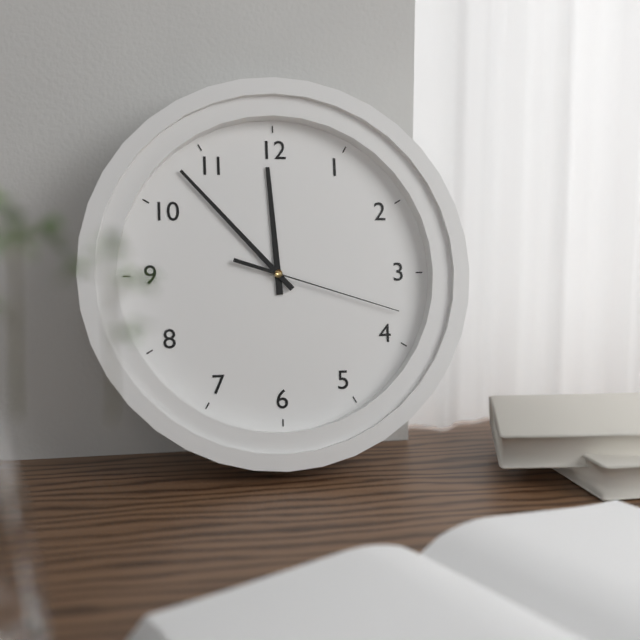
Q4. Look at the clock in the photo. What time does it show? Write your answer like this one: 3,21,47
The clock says 11,53,18
